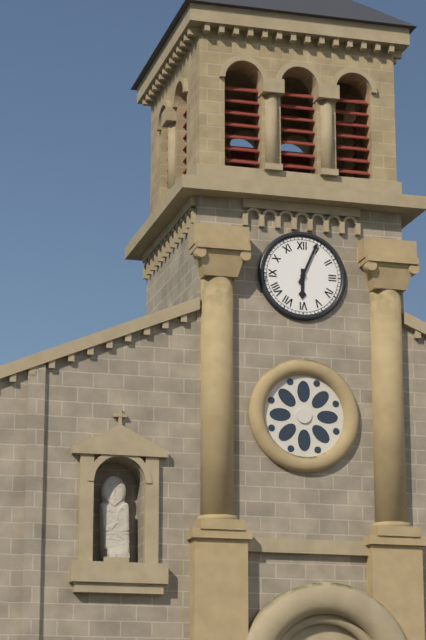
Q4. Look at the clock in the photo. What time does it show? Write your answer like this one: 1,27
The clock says 6,04
